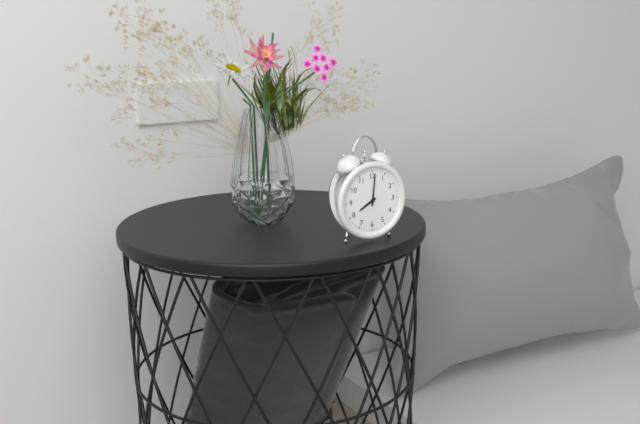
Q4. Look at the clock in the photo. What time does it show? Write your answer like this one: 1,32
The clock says 8,01
